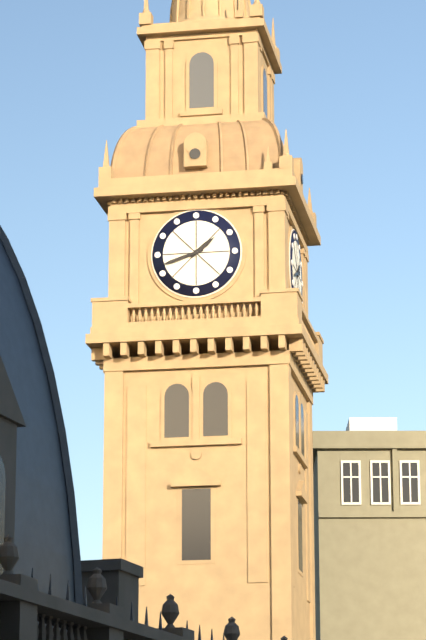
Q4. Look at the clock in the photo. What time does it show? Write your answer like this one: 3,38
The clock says 1,42
